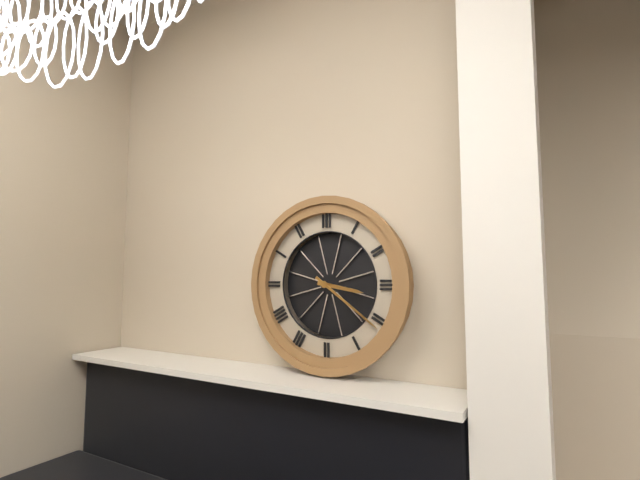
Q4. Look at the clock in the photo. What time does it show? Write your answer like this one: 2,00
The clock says 3,21
